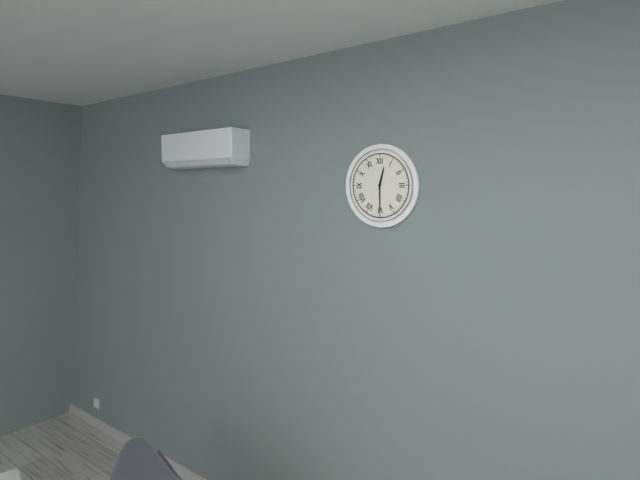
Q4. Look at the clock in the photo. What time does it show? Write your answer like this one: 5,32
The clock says 12,30
